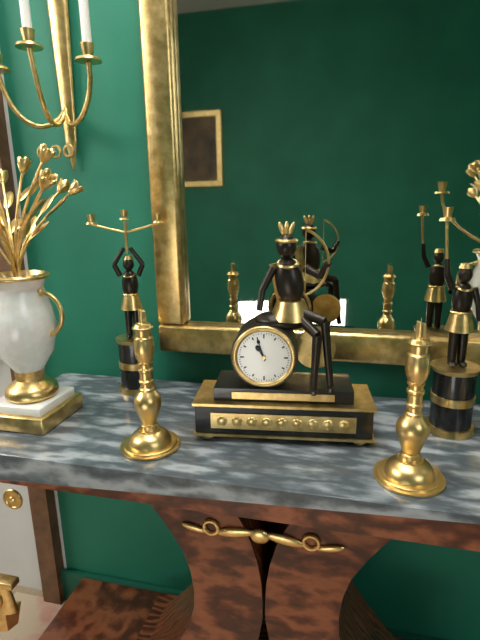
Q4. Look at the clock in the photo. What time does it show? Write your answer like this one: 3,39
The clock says 10,57
